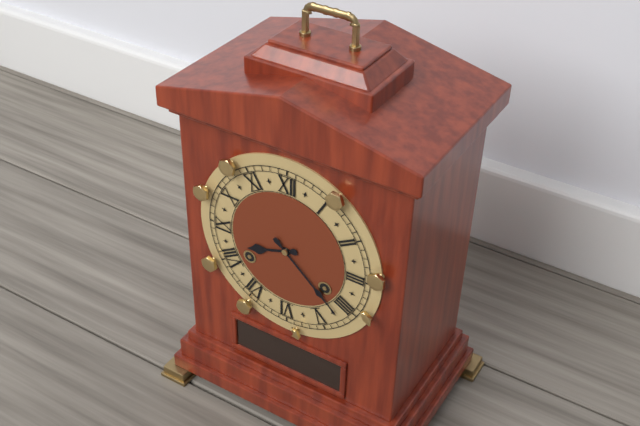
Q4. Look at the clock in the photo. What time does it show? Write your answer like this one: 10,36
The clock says 8,22
